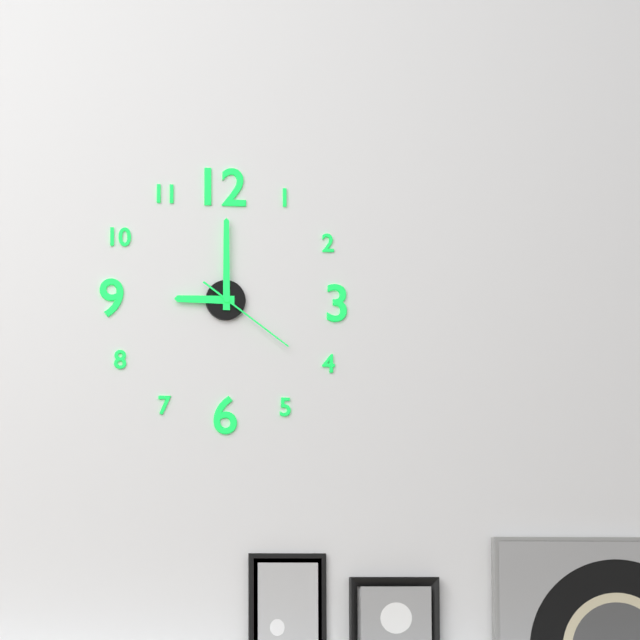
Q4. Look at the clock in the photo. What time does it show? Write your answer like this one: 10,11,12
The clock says 9,00,21
